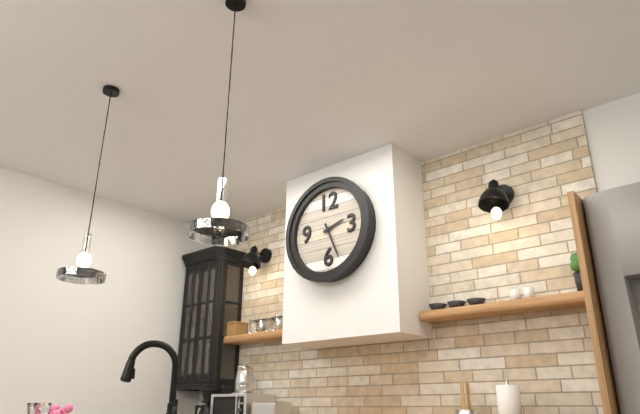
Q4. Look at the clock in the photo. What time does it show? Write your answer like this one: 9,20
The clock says 2,26
